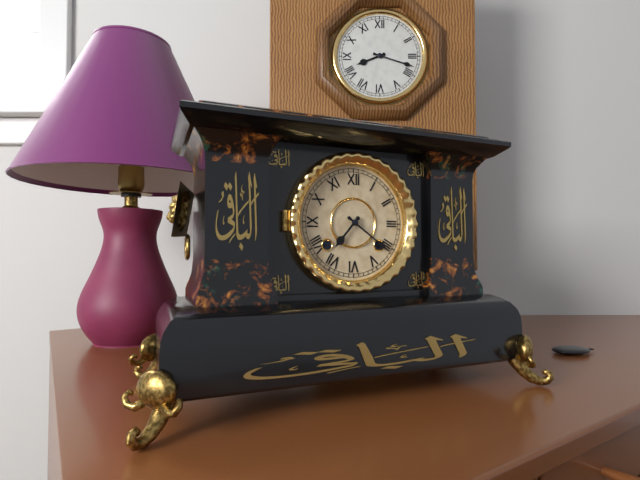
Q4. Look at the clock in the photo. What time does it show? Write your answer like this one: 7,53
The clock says 7,21
